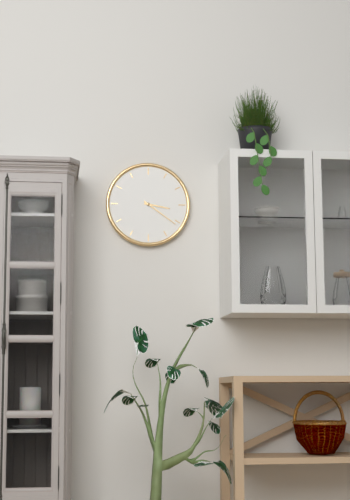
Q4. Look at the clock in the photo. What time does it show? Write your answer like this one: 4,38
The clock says 3,21
